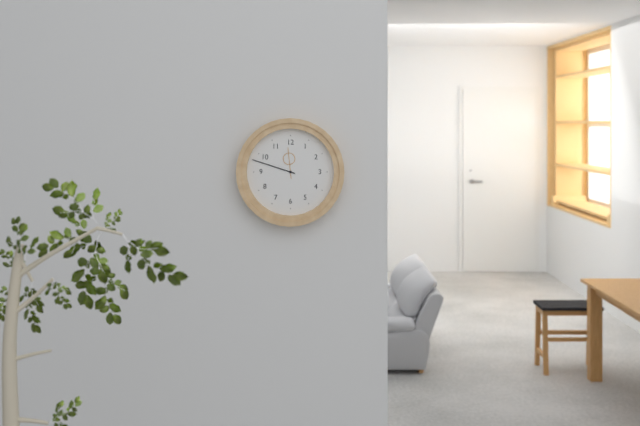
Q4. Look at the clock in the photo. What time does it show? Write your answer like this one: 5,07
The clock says 11,48
